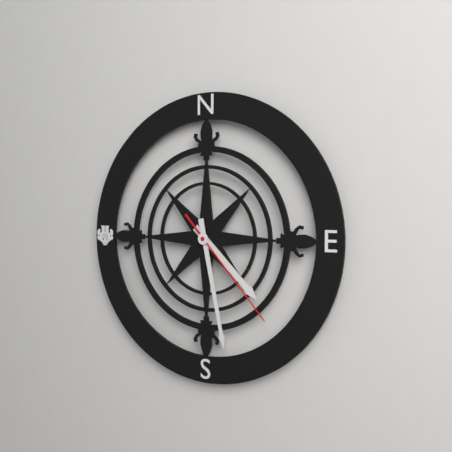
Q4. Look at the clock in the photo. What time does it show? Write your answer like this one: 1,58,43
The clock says 4,28,23
